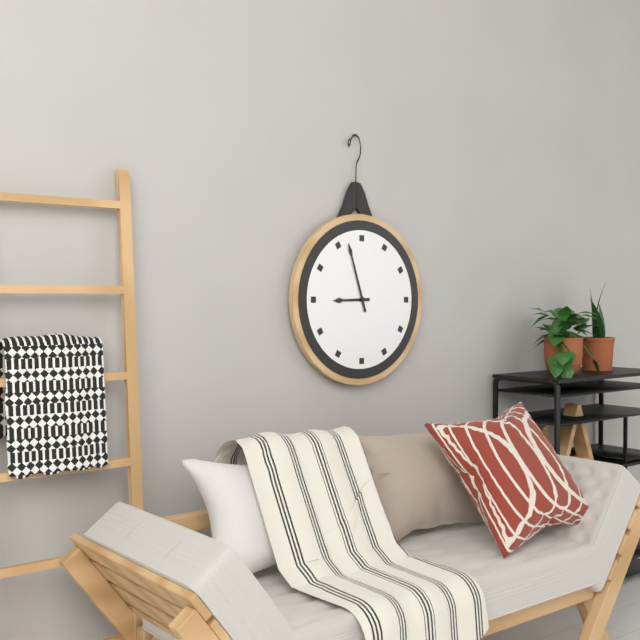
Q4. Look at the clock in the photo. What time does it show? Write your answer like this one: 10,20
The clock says 8,57
